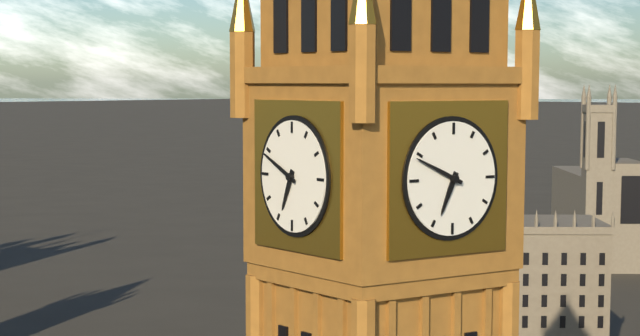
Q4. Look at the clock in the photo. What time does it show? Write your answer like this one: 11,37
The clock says 6,49
